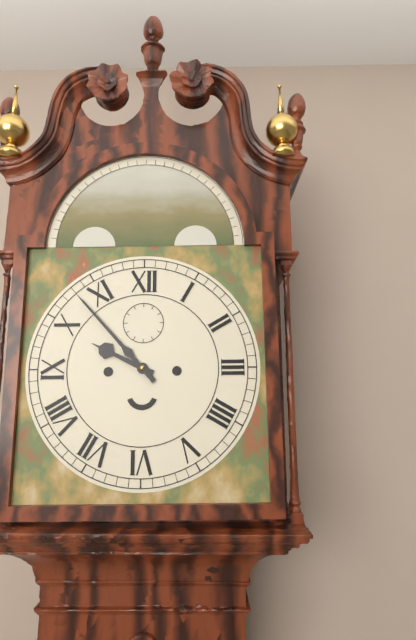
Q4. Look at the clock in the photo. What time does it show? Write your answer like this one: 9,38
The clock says 9,53
